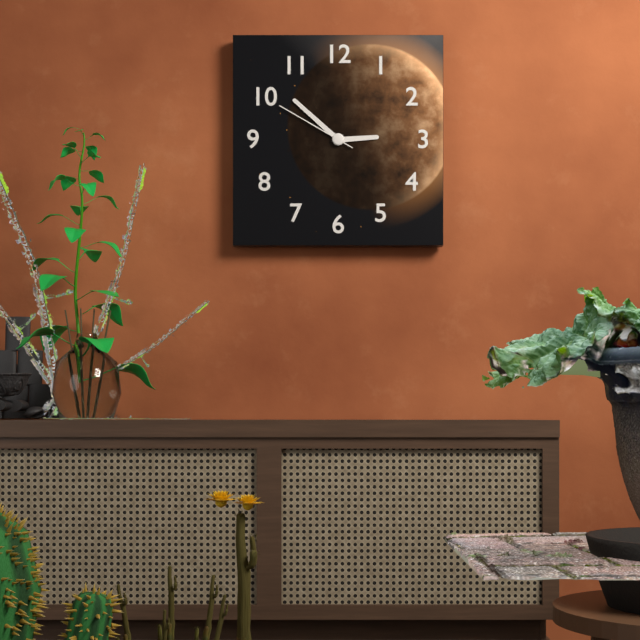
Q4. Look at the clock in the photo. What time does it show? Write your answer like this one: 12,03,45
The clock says 2,52,50
